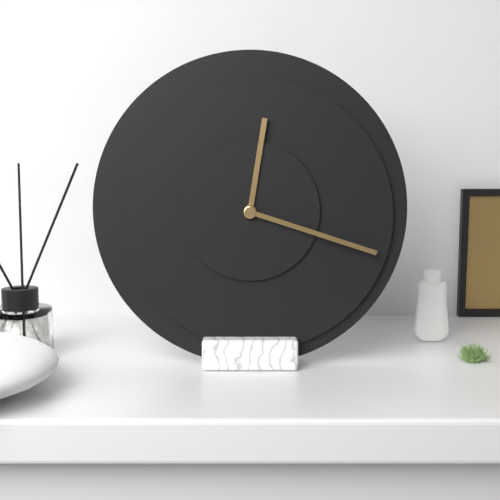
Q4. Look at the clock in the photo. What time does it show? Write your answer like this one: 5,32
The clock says 12,18
